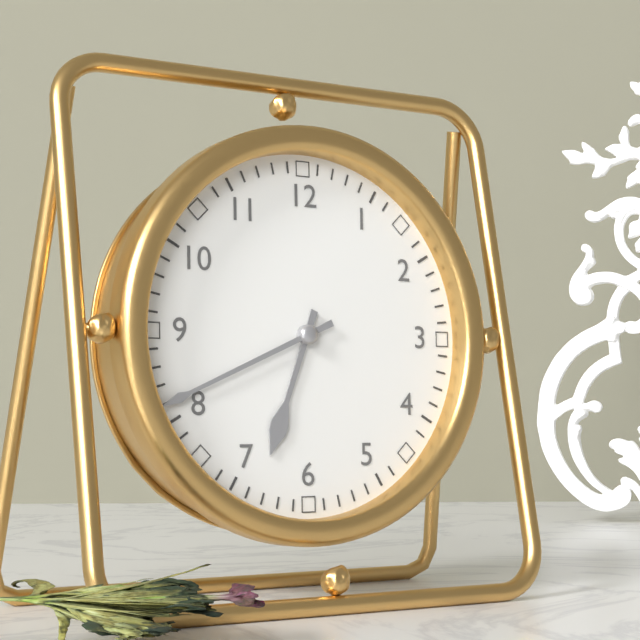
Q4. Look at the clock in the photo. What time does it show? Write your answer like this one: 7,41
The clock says 6,41
